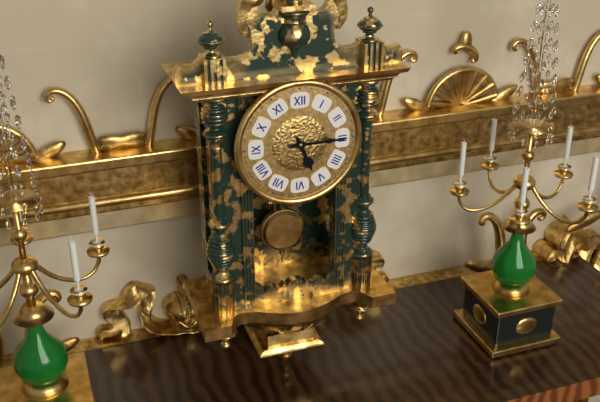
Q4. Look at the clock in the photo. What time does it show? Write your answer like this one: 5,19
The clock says 5,15
